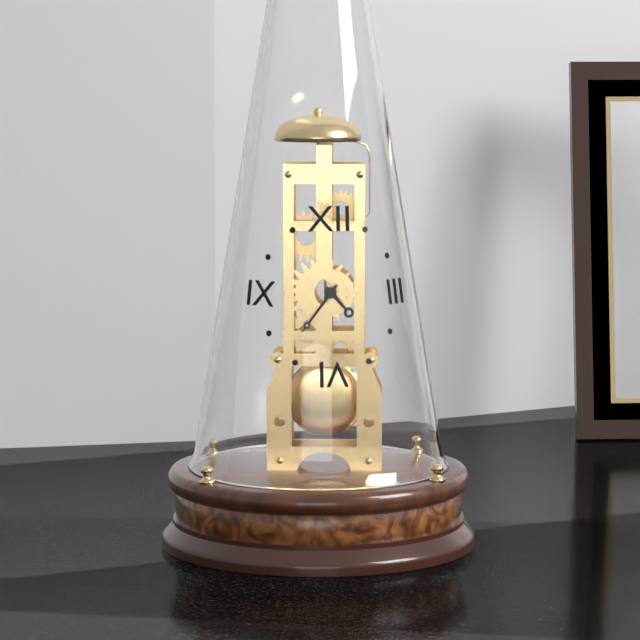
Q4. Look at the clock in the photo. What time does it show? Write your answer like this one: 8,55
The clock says 4,36
